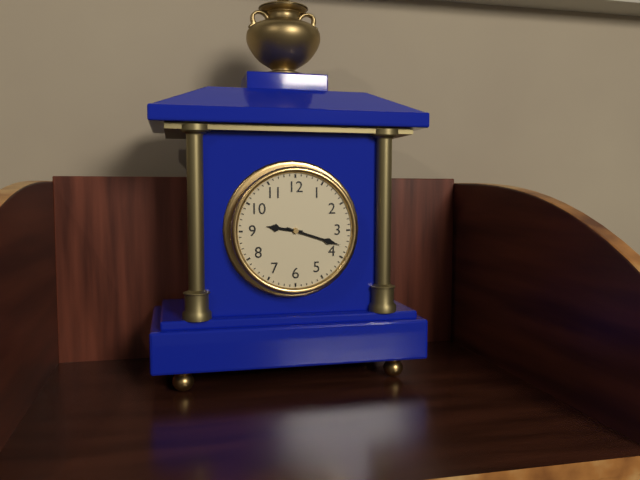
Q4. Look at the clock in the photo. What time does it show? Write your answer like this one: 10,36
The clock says 9,18
